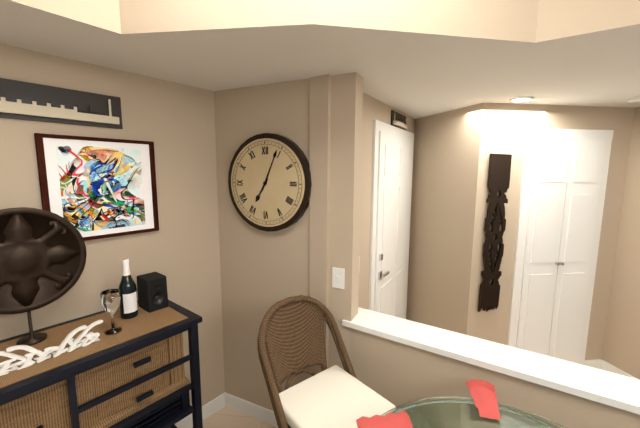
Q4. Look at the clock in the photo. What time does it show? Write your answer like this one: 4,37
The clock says 7,04
